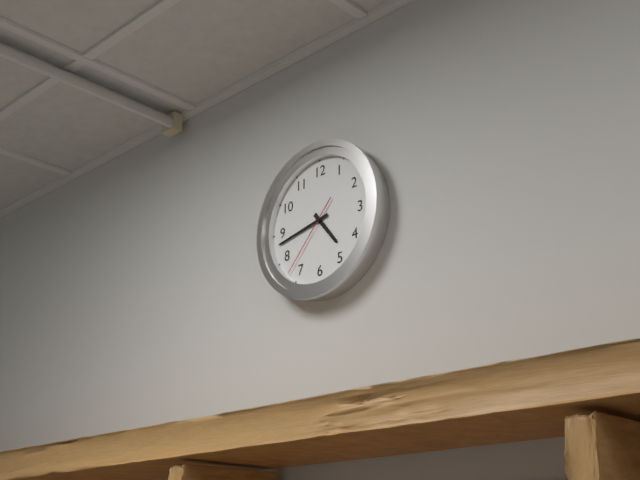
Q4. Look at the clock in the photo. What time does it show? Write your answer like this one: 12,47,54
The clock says 4,43,37
